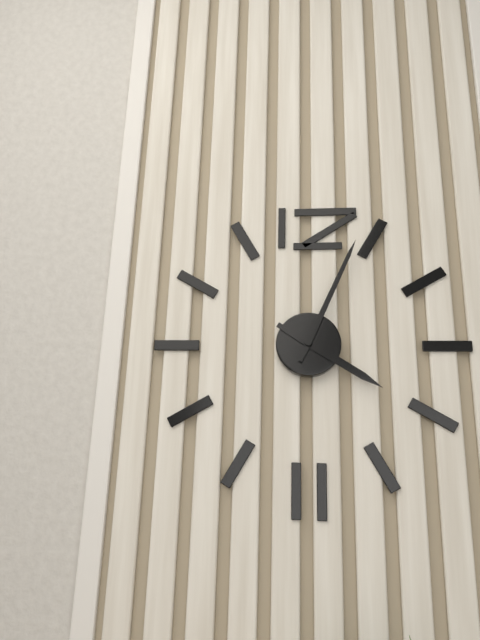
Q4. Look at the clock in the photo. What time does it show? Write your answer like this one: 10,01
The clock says 4,04
